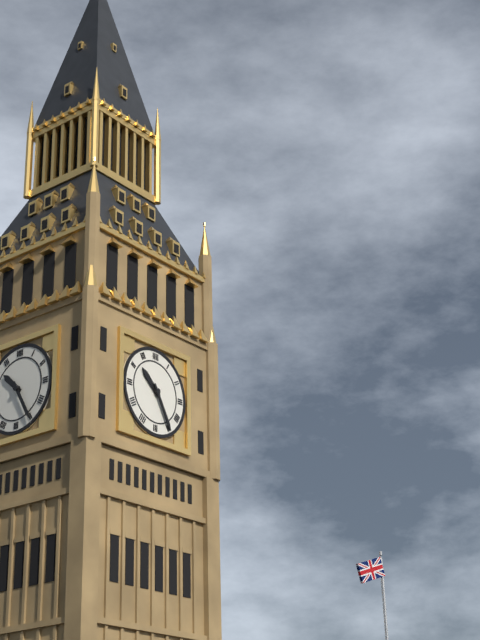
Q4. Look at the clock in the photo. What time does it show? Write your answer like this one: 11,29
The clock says 10,25
